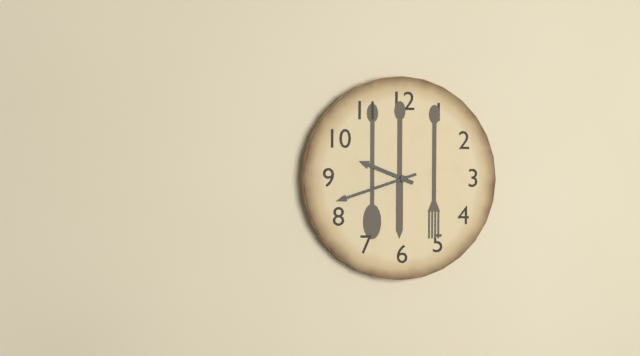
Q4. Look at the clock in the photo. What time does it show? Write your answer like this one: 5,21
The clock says 9,42
